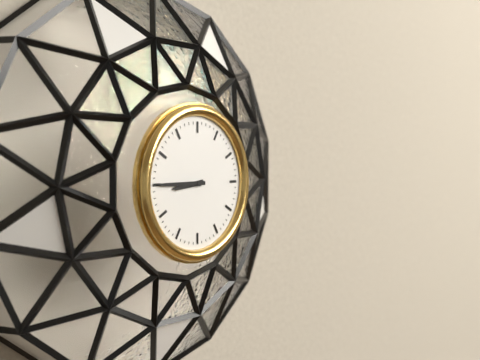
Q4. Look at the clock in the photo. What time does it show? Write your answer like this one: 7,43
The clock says 8,45
